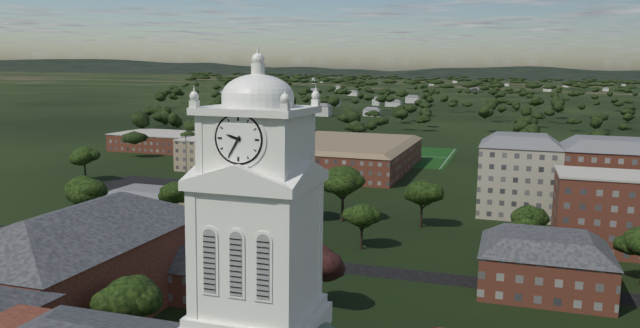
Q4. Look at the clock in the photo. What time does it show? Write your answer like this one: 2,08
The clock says 9,35
